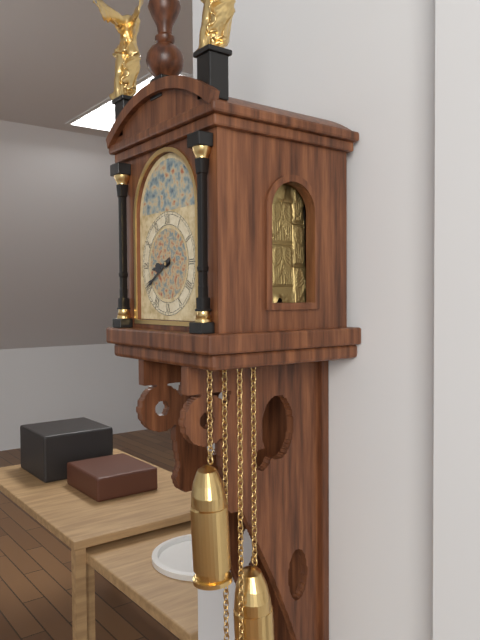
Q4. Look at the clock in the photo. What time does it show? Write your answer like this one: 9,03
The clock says 8,40
